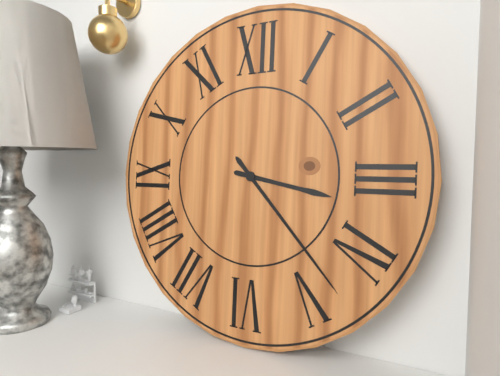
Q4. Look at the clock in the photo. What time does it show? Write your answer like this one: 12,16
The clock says 3,23
